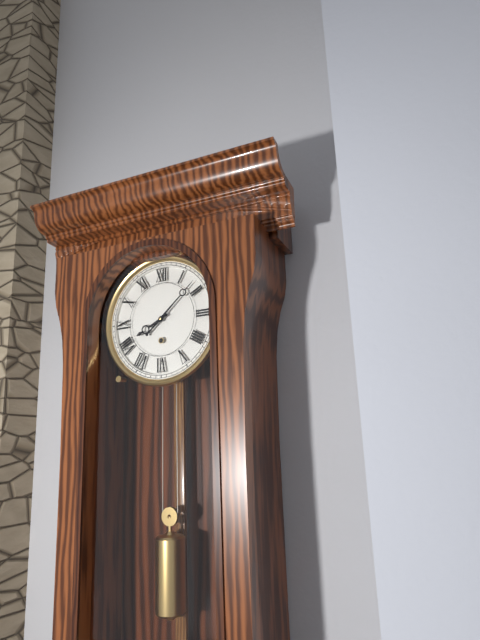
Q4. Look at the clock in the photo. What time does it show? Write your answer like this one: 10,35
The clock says 8,08
